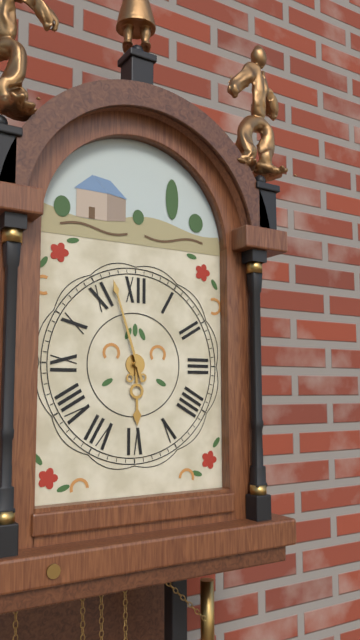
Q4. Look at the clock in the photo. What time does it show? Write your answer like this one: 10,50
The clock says 5,57
